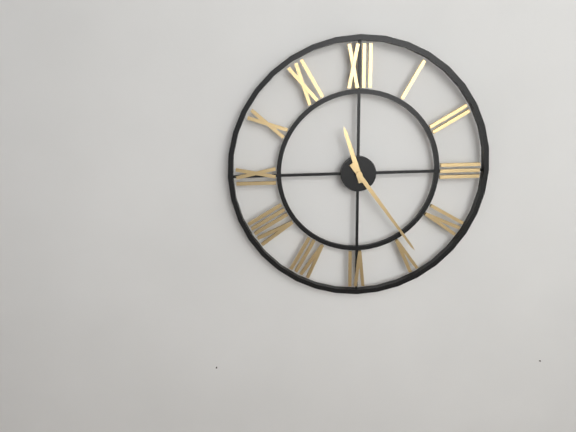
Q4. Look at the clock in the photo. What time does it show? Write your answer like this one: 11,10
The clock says 11,24
